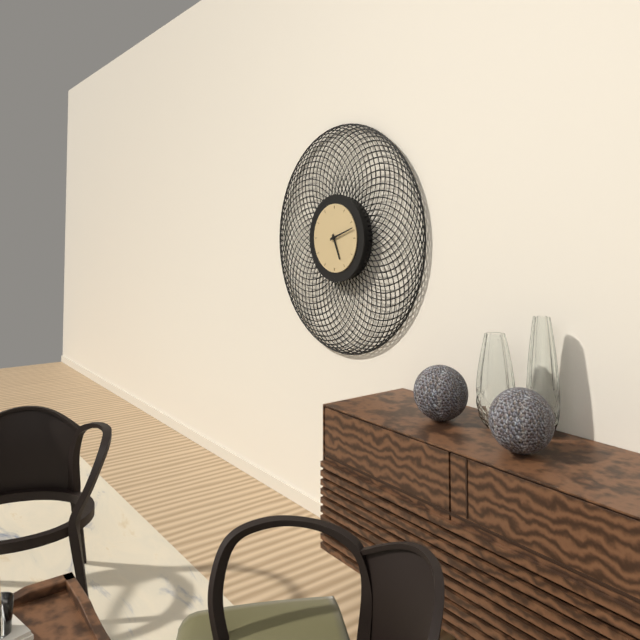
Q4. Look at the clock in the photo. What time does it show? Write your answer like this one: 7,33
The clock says 5,12
